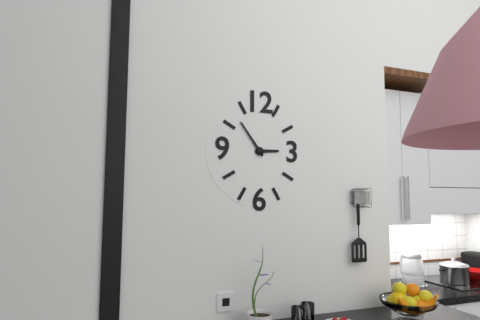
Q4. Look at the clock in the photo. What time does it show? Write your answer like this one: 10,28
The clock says 2,54
